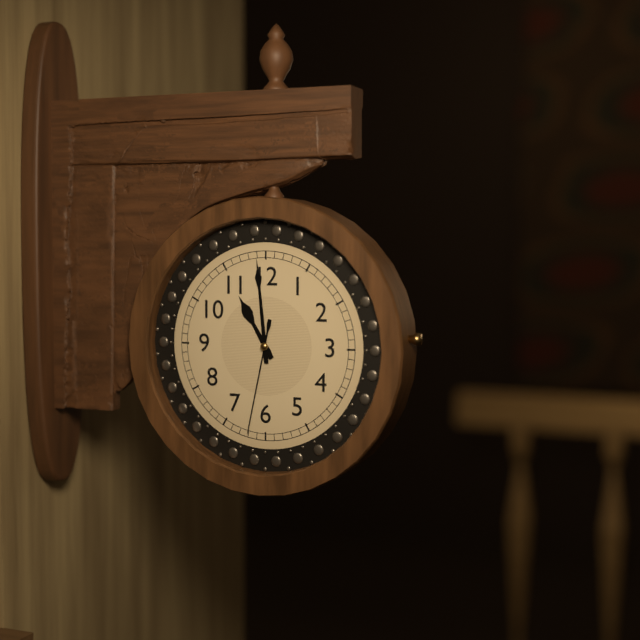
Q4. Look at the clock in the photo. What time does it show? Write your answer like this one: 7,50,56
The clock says 10,59,32
